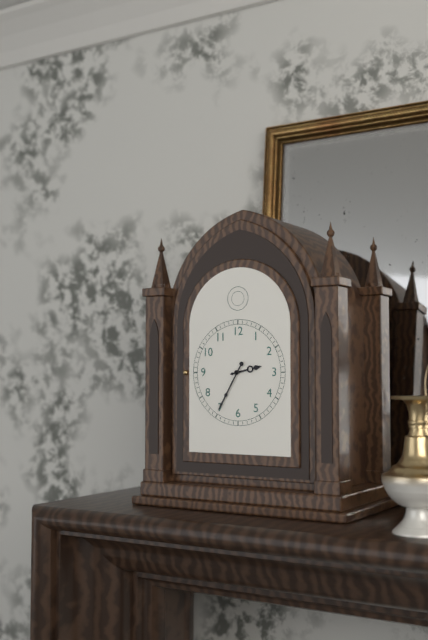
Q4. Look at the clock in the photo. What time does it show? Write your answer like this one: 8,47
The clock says 2,35
